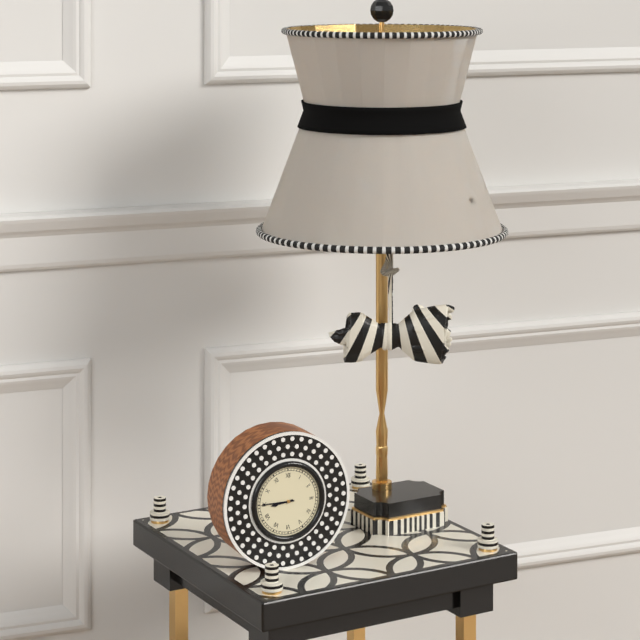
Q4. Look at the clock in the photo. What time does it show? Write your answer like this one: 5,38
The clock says 8,45
